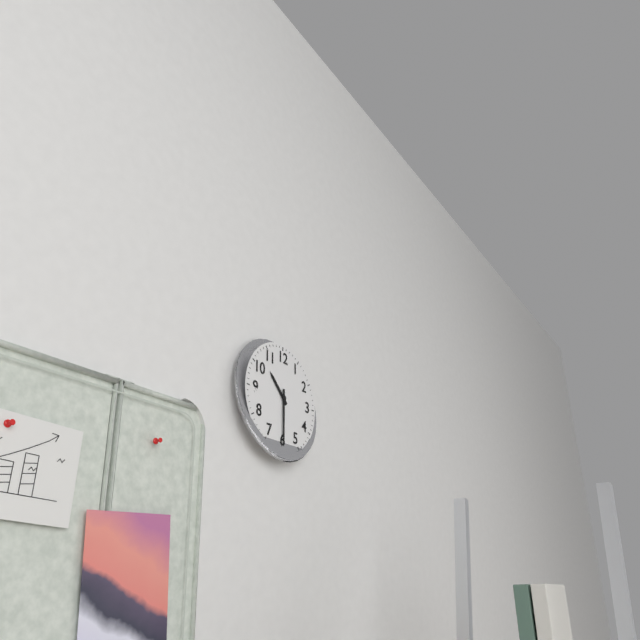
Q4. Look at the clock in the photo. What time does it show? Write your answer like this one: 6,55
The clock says 10,30
